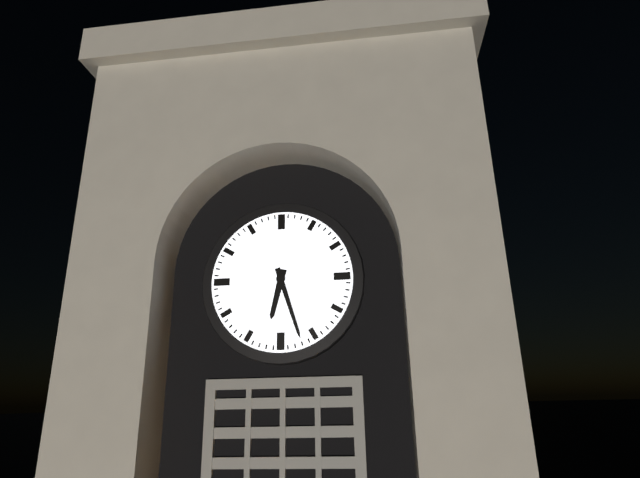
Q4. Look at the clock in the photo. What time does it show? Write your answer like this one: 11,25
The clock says 6,27
